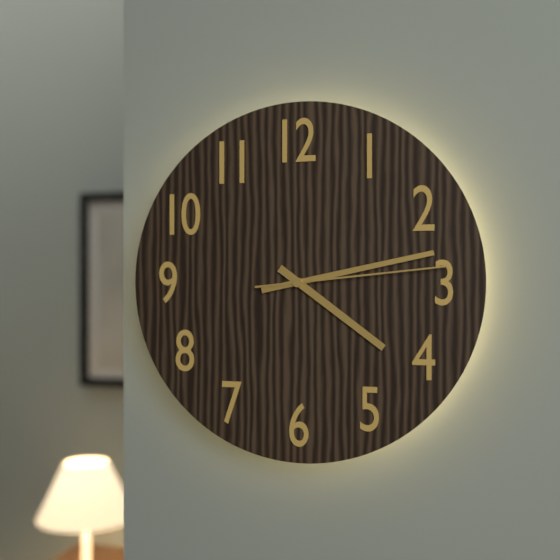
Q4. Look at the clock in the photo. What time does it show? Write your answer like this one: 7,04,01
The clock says 4,13,14
